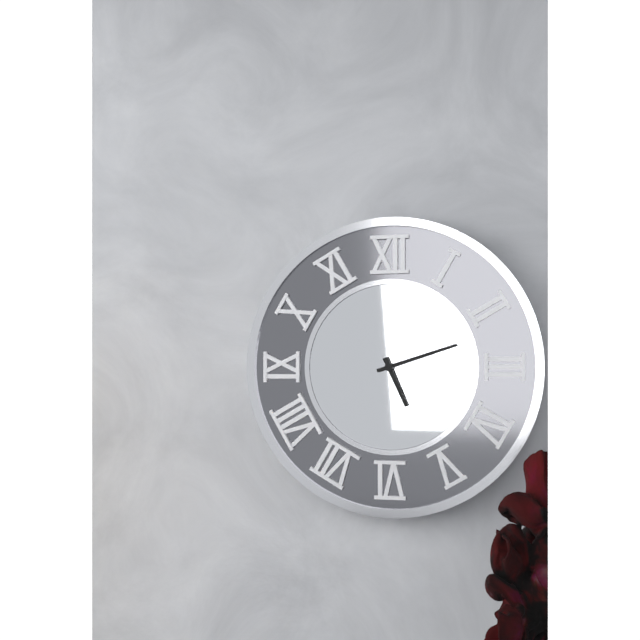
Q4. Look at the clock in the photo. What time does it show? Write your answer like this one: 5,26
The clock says 5,12
